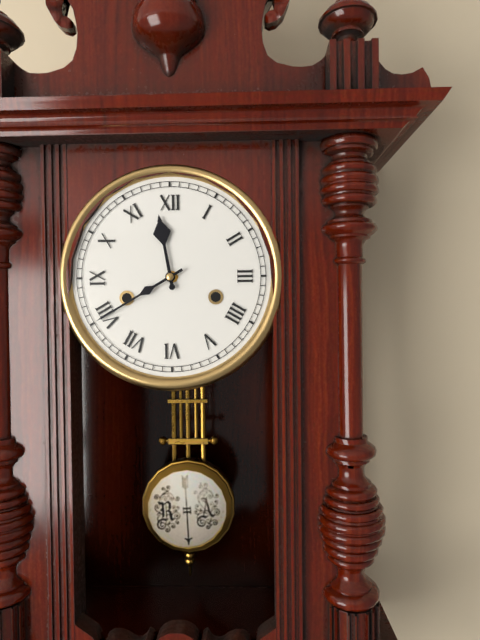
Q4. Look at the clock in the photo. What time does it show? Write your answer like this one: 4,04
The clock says 11,40
